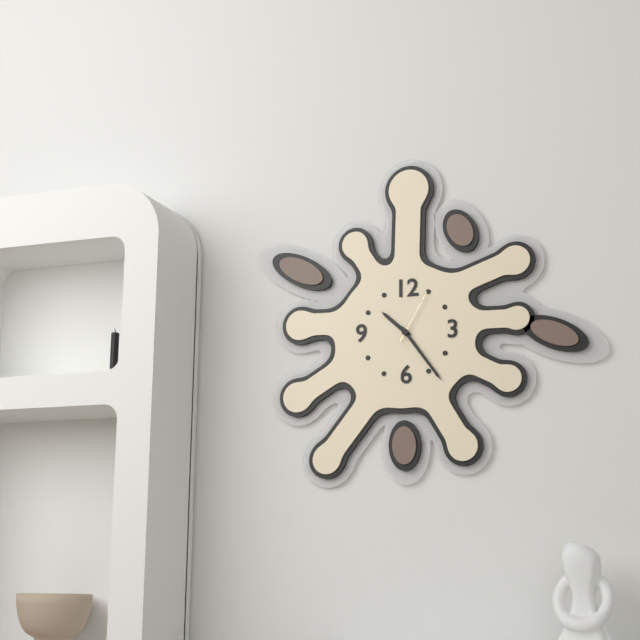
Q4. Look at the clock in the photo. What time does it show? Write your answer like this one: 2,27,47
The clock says 10,24,05
